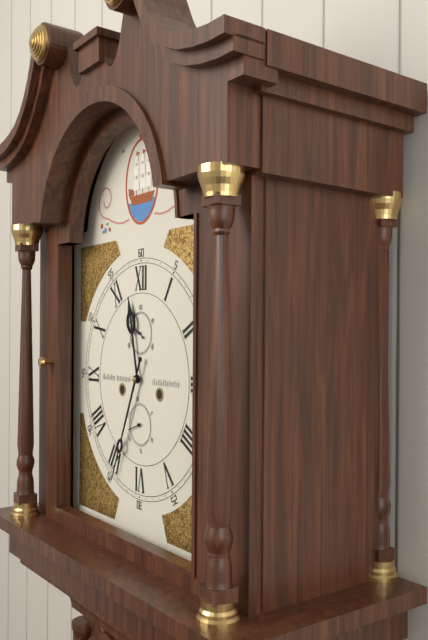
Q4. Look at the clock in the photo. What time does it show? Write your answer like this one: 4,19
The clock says 11,34
